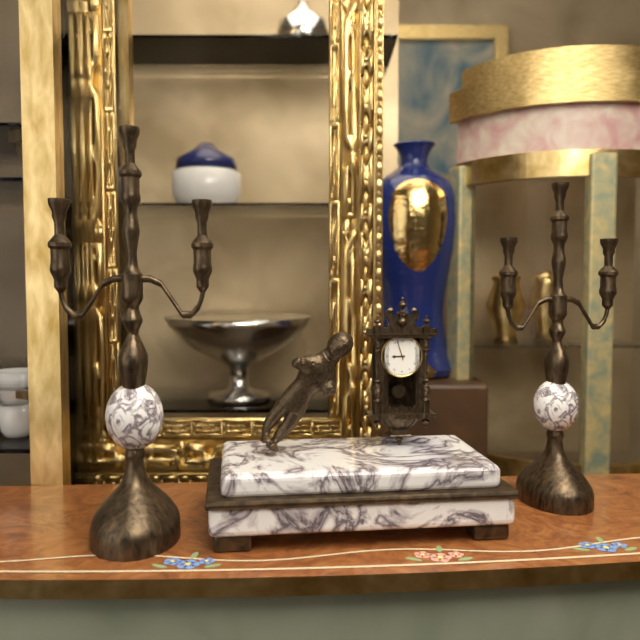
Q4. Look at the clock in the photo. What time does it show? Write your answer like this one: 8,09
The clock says 8,57
